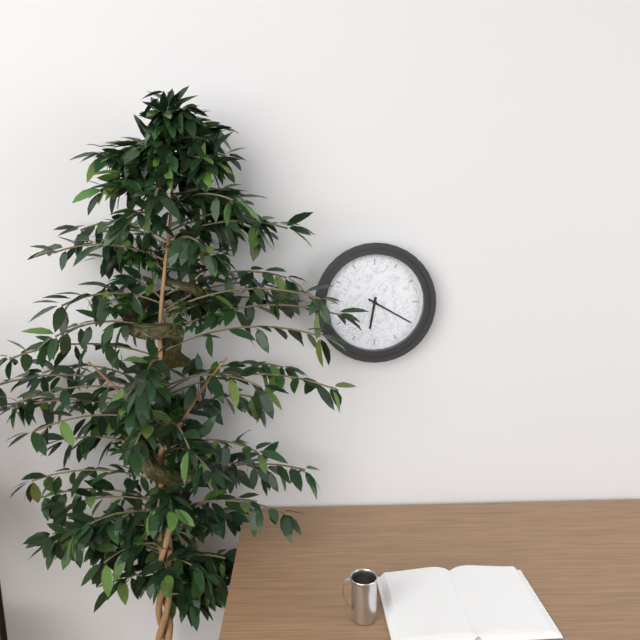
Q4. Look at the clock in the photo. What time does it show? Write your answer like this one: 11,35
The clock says 6,20
